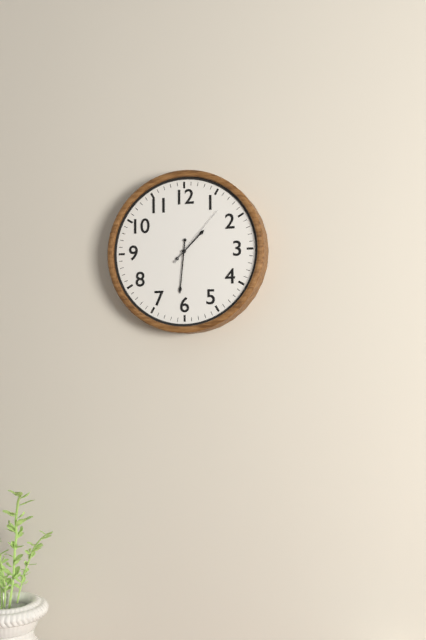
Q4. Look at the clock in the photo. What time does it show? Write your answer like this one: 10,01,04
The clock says 1,31,07
